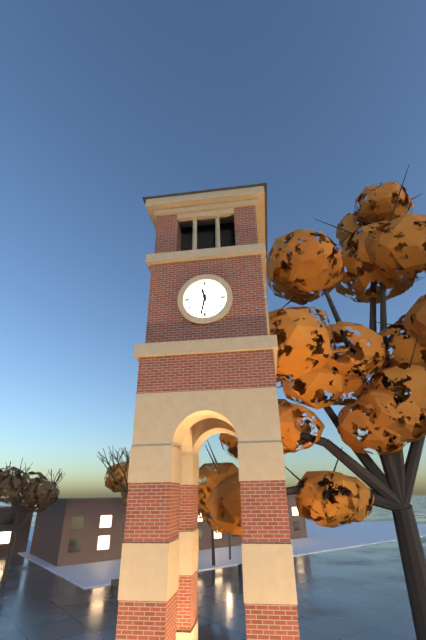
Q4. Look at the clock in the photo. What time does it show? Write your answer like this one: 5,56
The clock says 11,32
